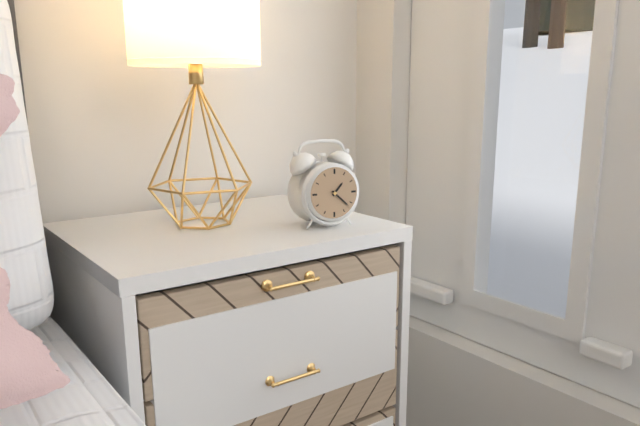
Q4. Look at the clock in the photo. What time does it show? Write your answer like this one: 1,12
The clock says 1,22
